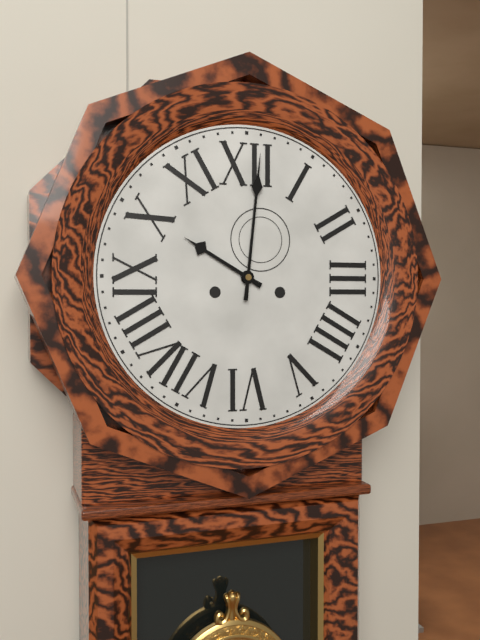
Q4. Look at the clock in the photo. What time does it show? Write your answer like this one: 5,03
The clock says 10,01
